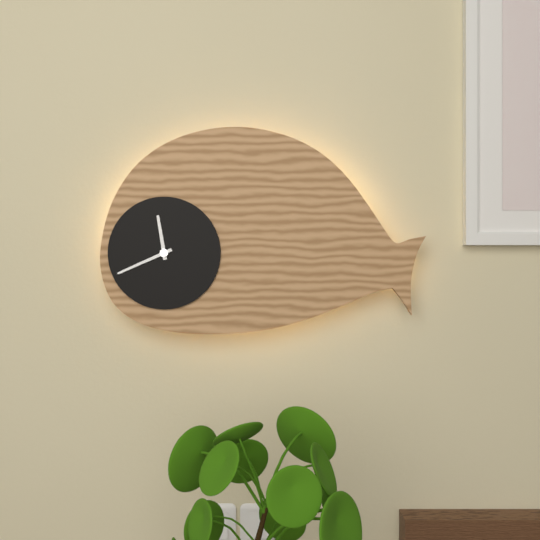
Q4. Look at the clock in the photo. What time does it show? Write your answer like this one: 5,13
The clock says 11,41
